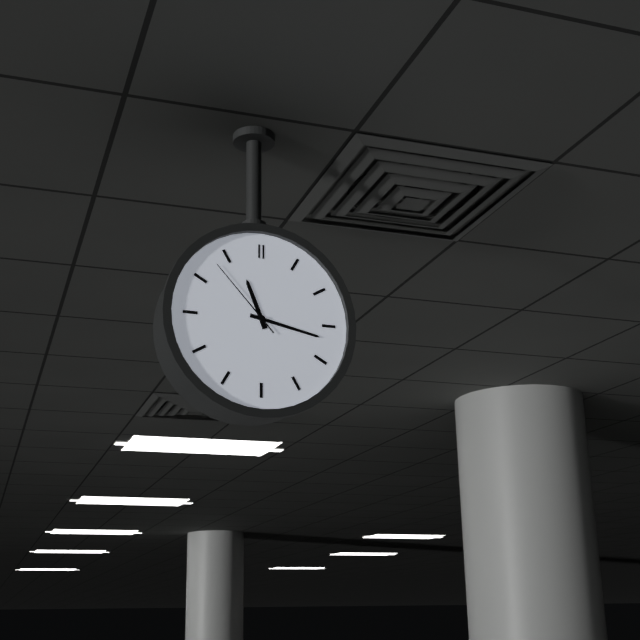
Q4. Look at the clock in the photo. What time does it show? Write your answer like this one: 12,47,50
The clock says 11,17,53
